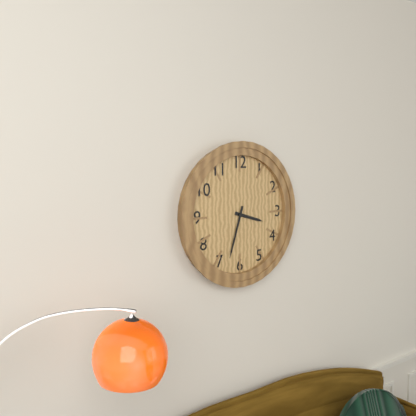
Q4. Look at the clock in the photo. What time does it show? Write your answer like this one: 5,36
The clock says 3,33
